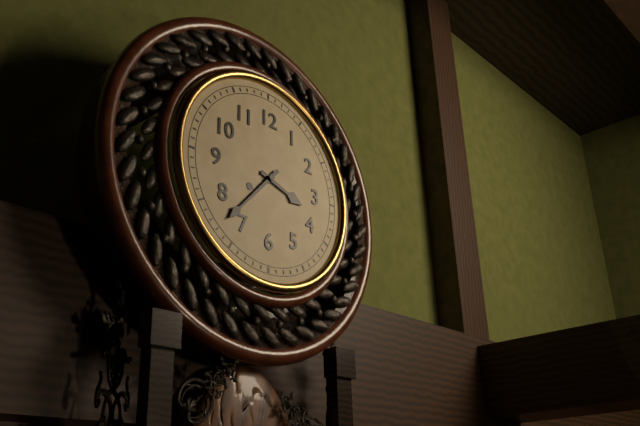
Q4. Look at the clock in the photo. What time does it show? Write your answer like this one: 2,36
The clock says 3,37
